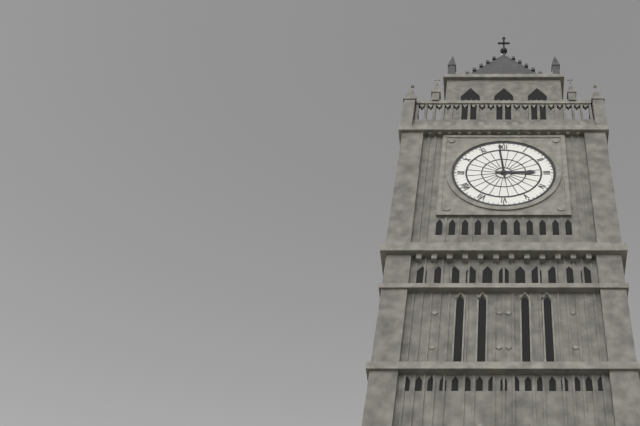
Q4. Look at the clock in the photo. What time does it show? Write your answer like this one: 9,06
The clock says 2,59
